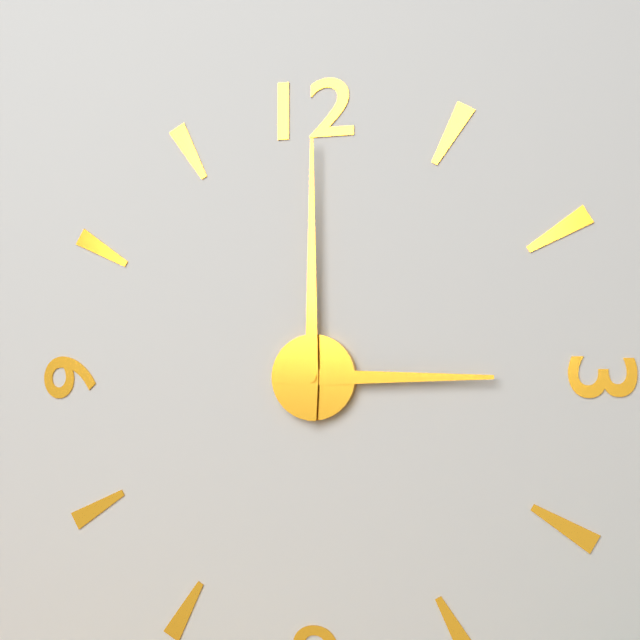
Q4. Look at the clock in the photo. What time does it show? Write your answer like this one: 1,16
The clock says 3,00
